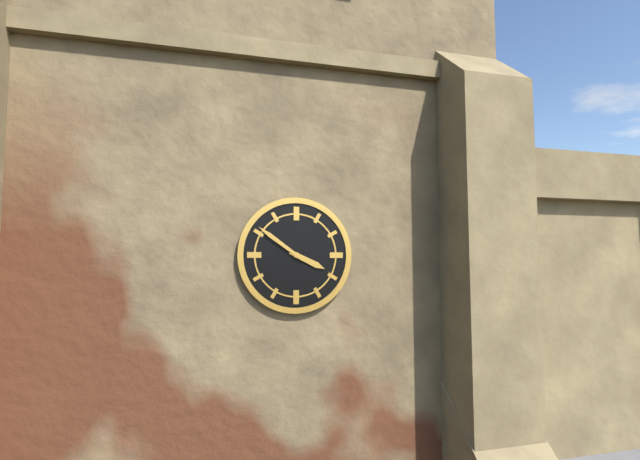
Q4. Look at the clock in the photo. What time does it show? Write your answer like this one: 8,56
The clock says 3,51
